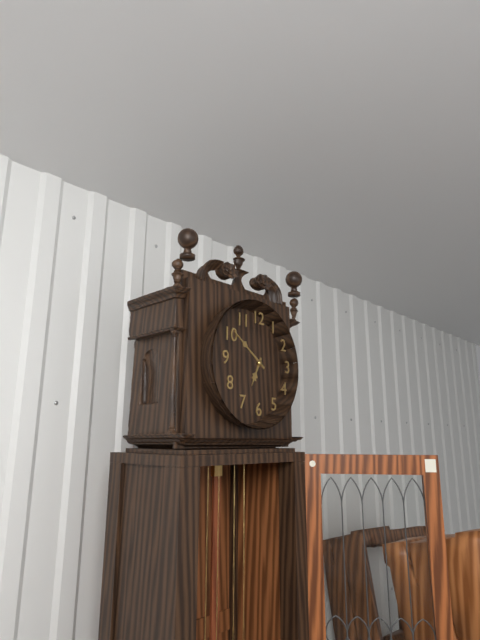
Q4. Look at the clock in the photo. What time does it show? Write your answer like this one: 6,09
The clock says 6,51
